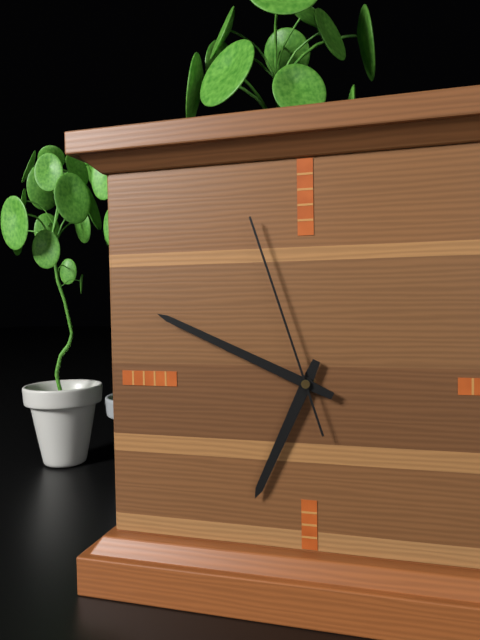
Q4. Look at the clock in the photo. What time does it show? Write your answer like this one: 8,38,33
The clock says 6,49,57
